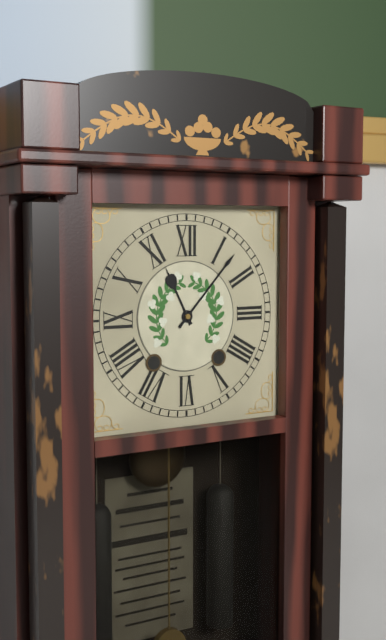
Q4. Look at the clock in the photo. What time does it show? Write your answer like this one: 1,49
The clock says 11,07
